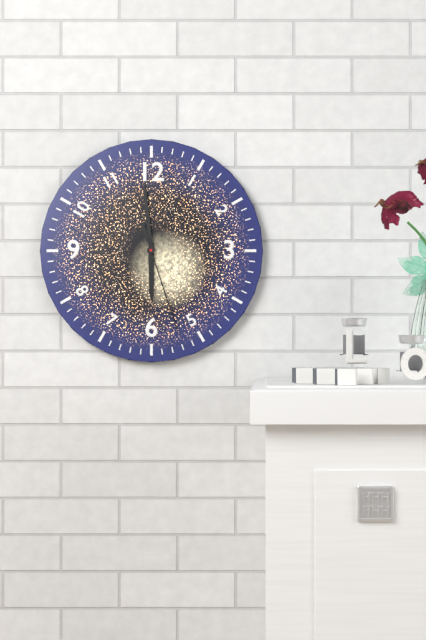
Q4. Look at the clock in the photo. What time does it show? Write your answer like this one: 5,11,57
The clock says 5,59,27
